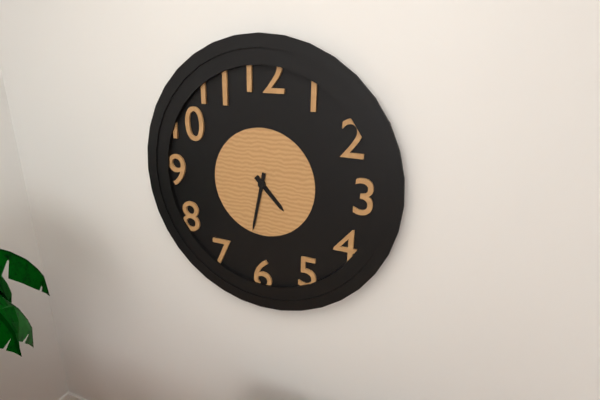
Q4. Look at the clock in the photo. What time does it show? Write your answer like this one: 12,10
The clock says 4,32
